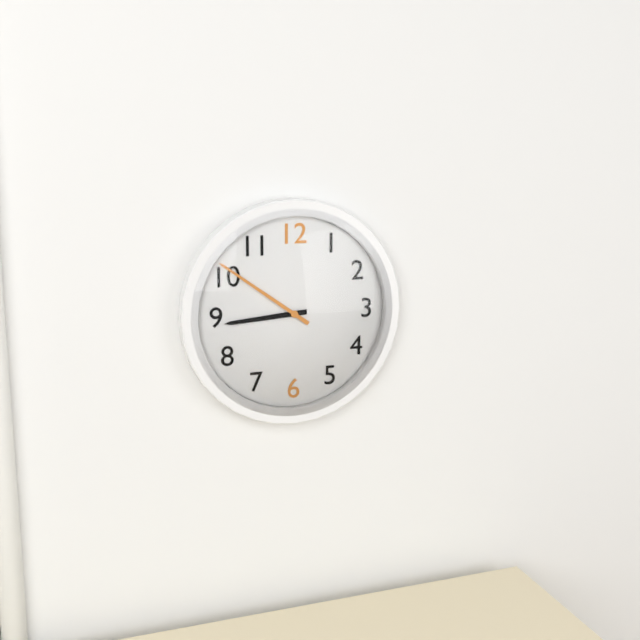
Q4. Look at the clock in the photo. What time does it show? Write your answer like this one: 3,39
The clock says 8,51
